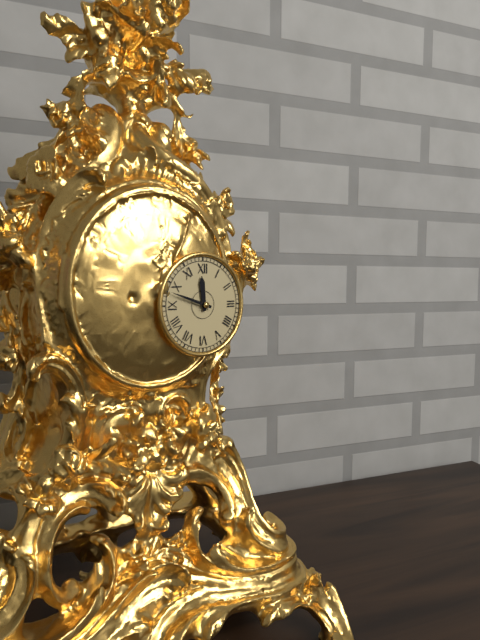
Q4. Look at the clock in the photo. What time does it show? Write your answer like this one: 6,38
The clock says 11,48
